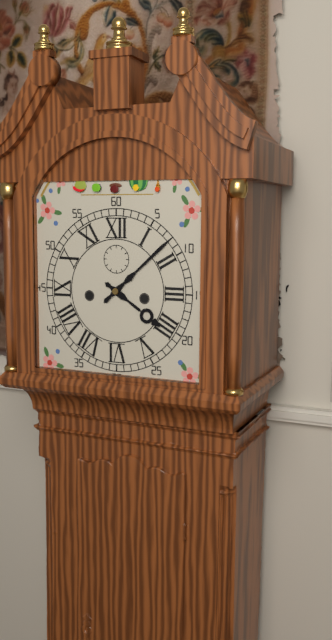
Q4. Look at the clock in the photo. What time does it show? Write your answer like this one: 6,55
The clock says 4,08
